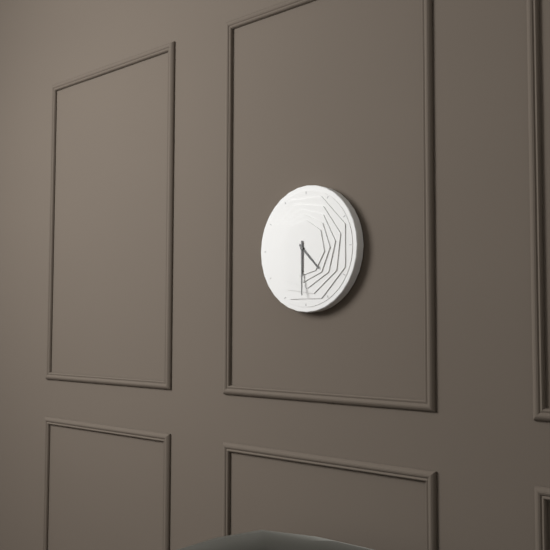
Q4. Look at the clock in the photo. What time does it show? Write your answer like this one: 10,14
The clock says 4,30
